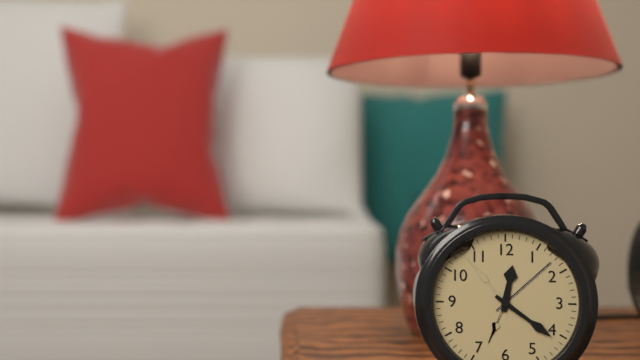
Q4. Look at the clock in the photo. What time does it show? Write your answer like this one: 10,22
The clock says 12,21
